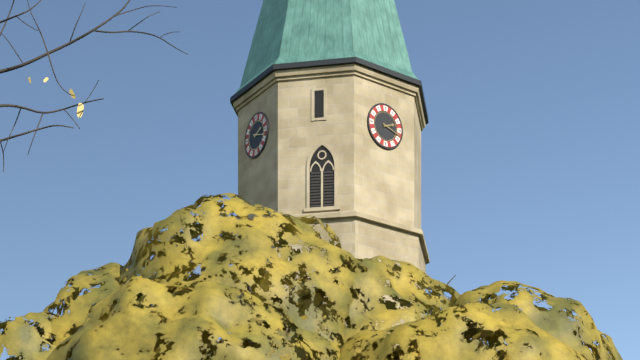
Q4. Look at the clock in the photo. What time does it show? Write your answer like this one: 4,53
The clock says 2,18
